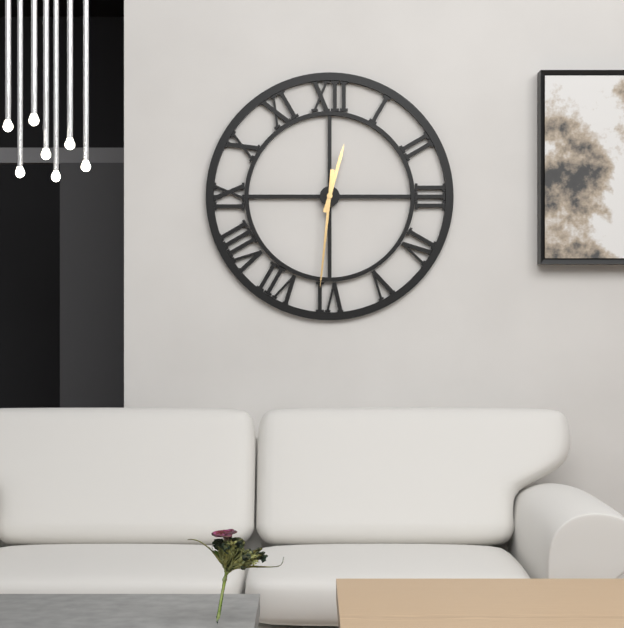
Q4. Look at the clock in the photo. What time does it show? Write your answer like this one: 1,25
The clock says 12,31
